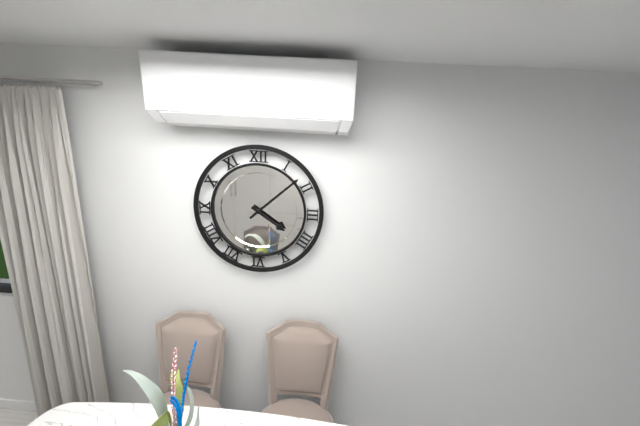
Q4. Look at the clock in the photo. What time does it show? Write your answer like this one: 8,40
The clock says 4,08
